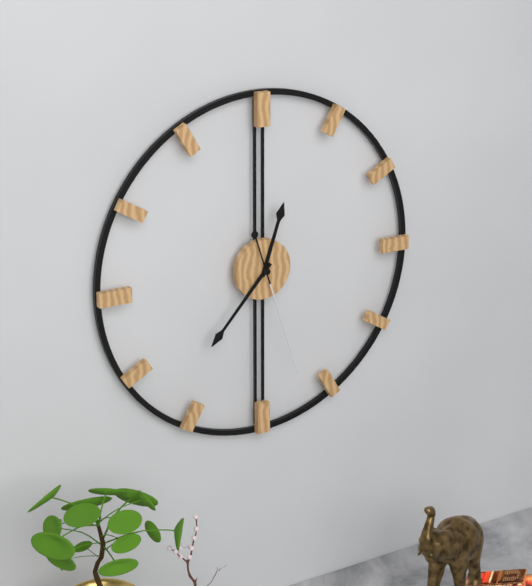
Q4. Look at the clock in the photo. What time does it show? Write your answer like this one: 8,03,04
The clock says 12,37,27
